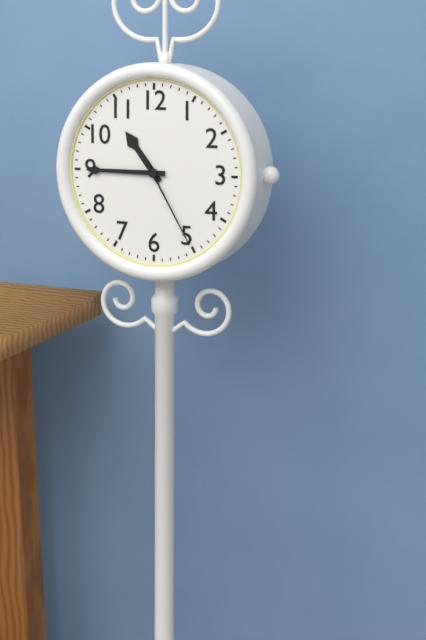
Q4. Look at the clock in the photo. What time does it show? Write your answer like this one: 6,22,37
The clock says 10,45,25
